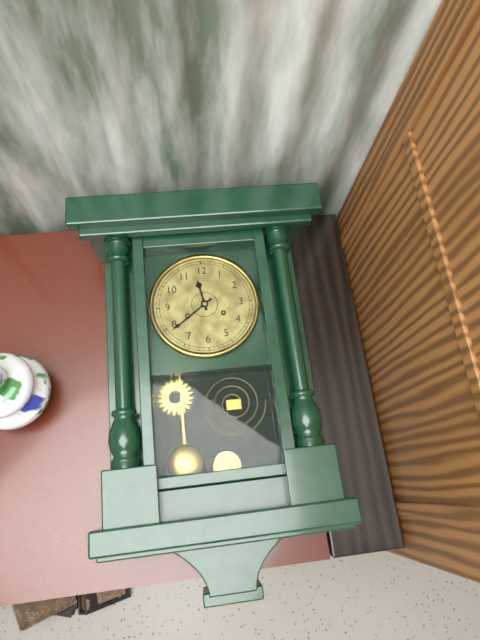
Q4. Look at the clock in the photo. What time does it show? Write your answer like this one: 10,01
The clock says 11,39
